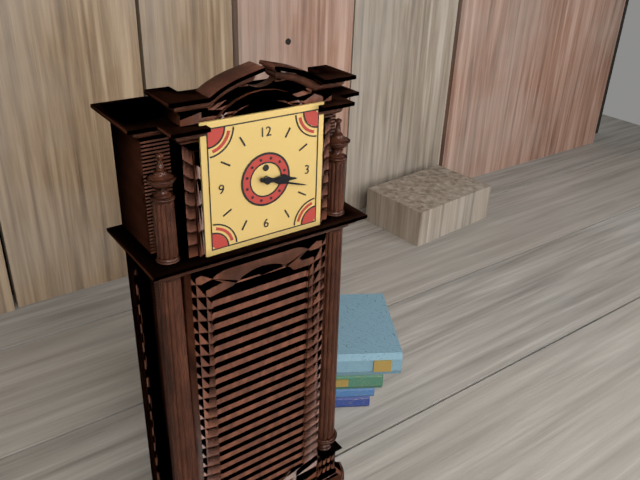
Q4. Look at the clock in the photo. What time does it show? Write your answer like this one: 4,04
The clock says 3,18
